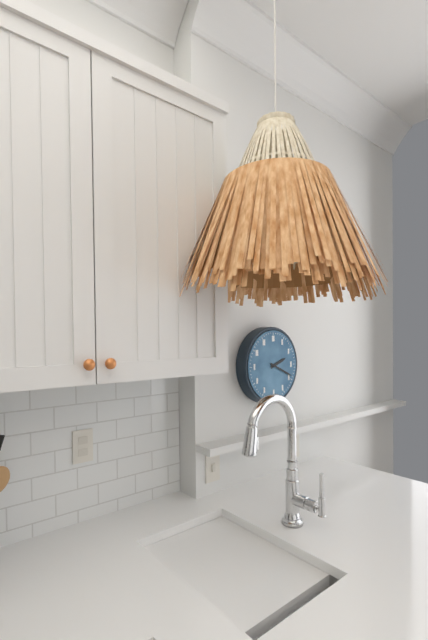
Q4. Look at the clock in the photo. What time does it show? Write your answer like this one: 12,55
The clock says 2,19
